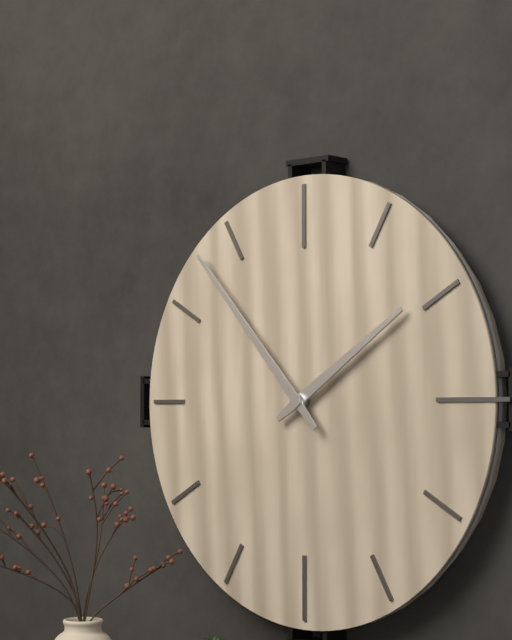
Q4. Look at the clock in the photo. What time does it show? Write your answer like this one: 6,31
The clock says 1,53
